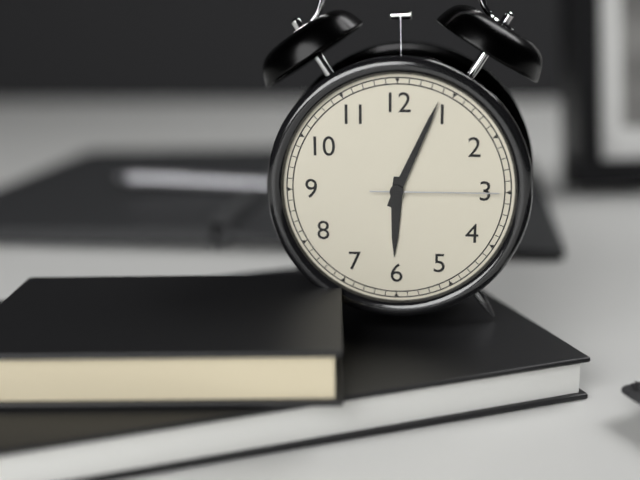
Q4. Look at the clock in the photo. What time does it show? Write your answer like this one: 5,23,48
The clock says 6,04,15
